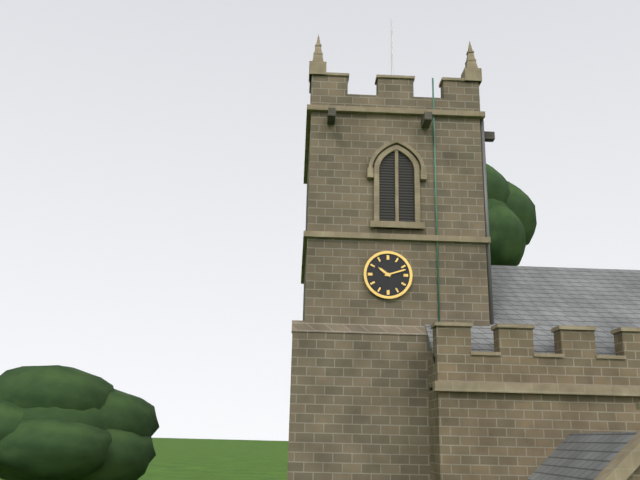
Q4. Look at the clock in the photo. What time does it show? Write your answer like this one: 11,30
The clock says 10,12
